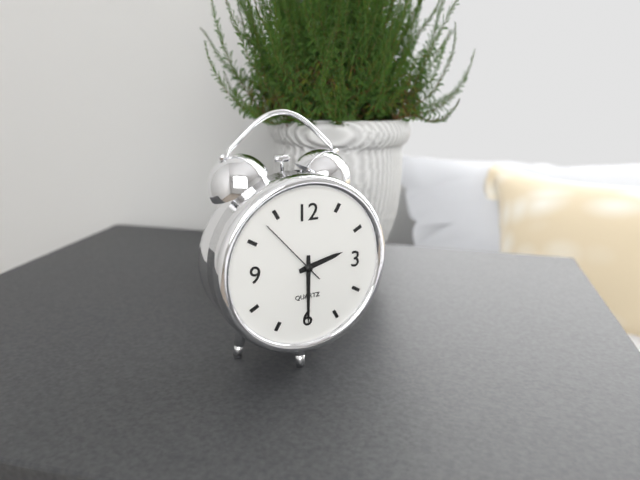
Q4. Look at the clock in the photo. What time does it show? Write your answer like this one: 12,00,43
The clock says 2,30,53
